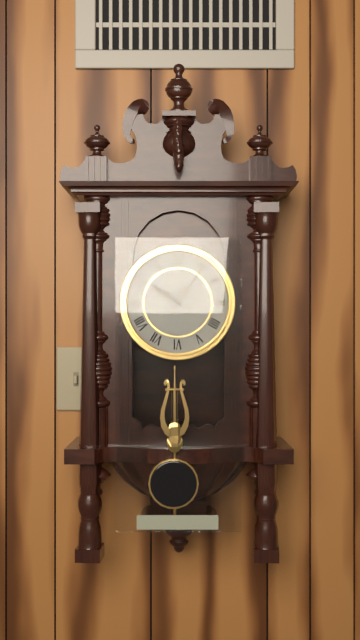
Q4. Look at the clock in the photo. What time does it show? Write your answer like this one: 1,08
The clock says 10,06
